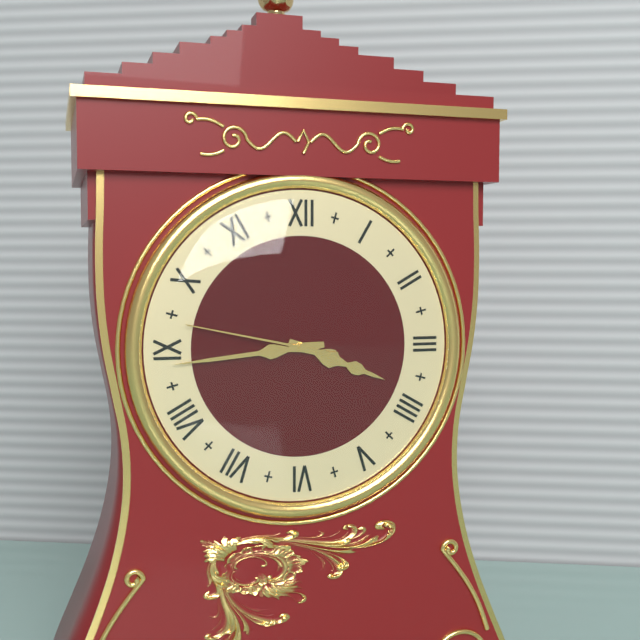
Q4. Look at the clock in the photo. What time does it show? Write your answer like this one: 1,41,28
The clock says 3,44,47
